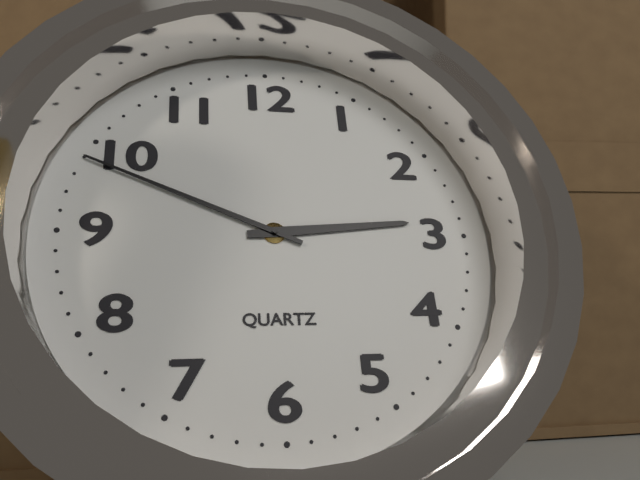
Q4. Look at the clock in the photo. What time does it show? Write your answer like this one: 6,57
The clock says 2,49
